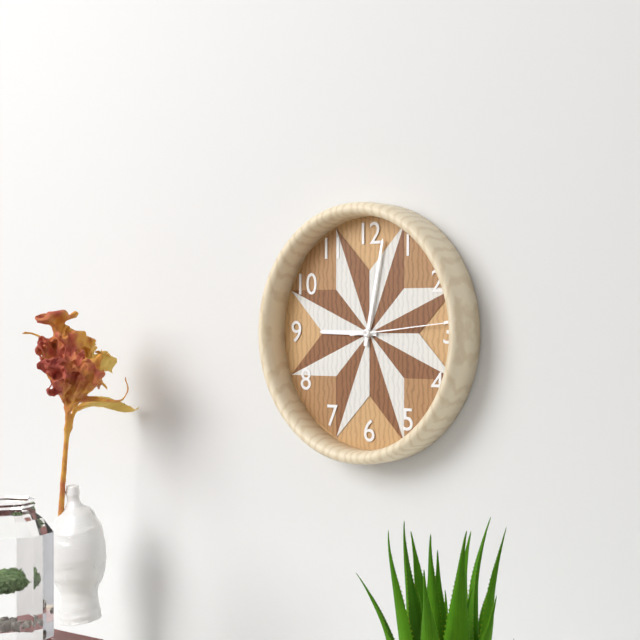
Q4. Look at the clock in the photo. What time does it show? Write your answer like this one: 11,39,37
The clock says 9,02,14
